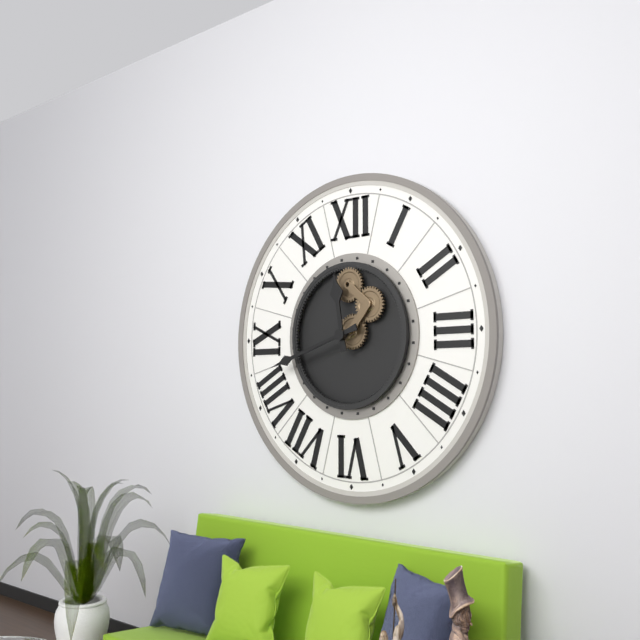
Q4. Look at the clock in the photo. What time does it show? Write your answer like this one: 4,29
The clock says 11,42
